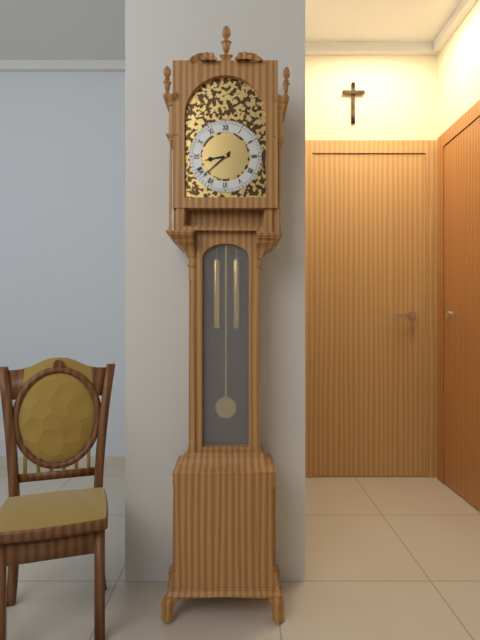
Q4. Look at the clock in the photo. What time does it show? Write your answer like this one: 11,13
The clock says 8,38
